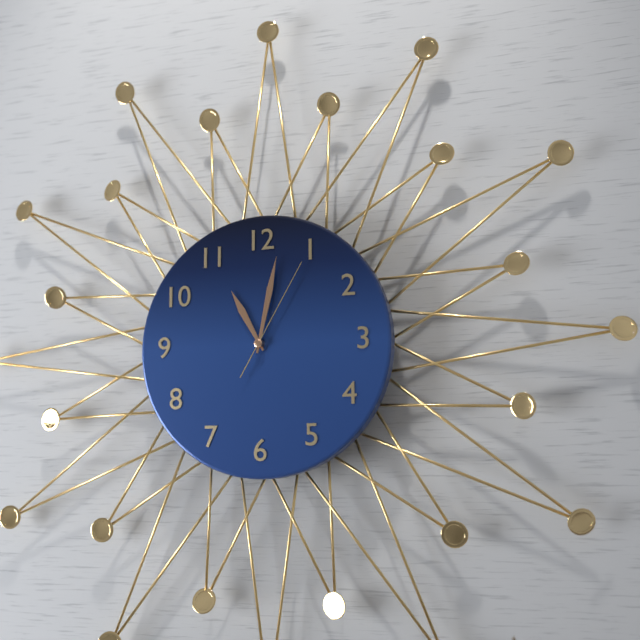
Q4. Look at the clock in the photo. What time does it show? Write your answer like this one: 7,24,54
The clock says 11,02,05
